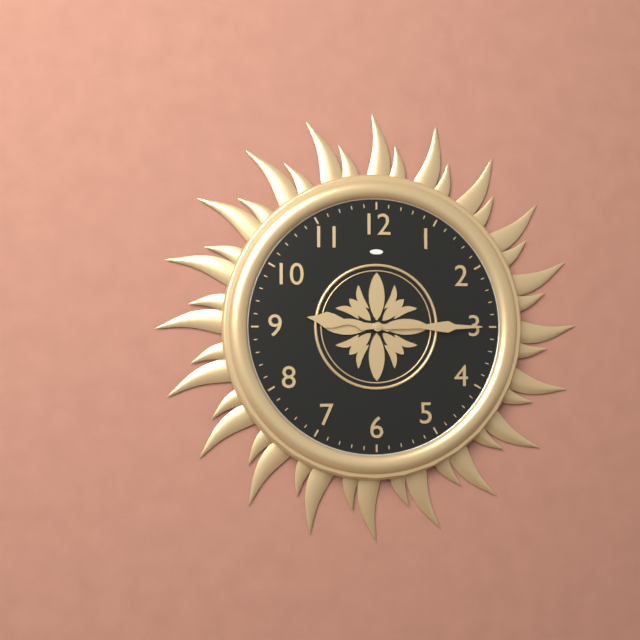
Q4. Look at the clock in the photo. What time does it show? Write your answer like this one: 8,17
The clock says 9,15
